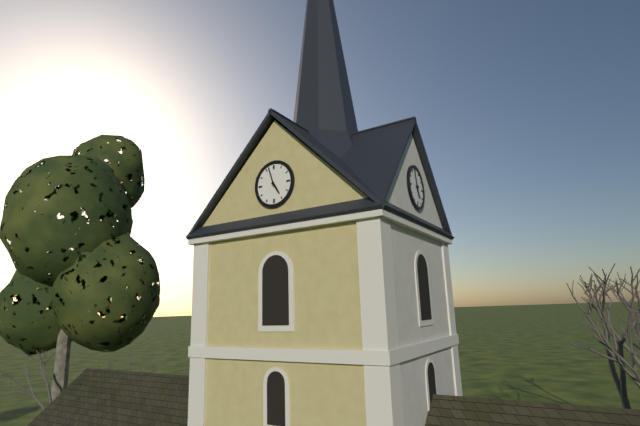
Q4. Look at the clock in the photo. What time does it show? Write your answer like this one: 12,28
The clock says 4,57
